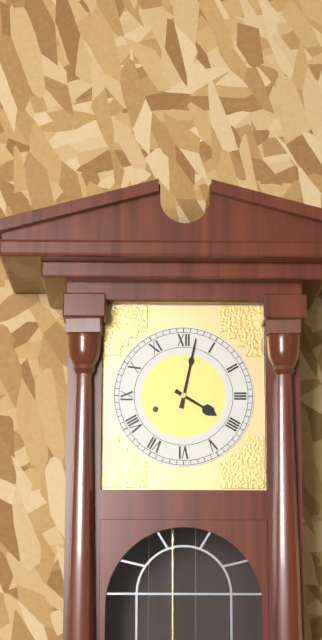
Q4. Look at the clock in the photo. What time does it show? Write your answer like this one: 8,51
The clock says 4,02
